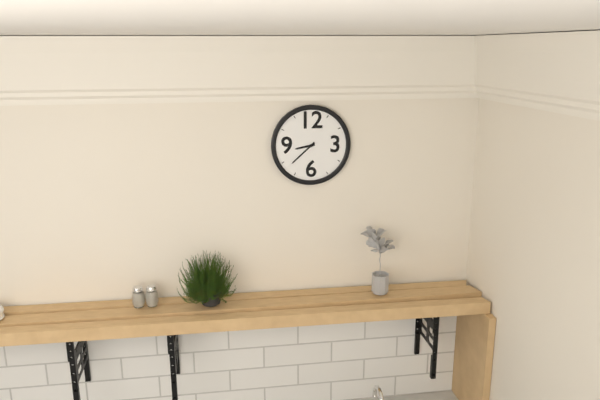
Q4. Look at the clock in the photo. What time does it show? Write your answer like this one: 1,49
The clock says 8,38
